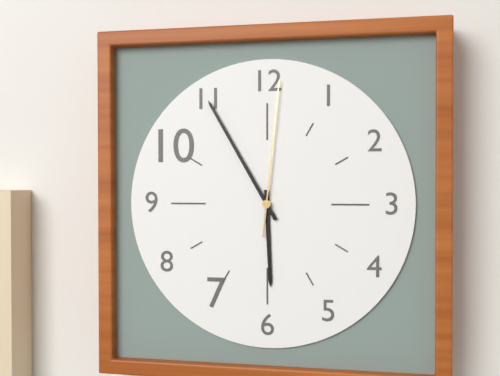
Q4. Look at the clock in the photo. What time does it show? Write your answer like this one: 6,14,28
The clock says 5,55,01
